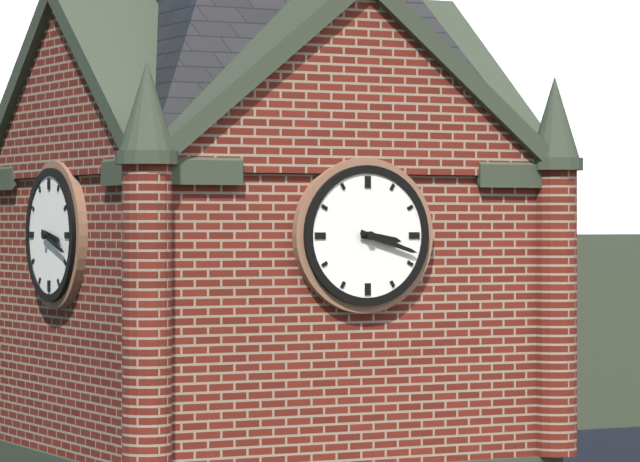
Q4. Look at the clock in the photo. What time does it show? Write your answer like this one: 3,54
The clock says 3,18
